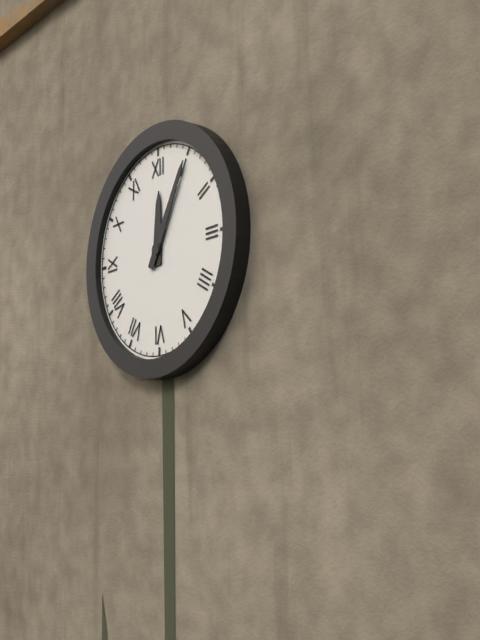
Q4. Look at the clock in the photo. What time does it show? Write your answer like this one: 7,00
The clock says 12,05
